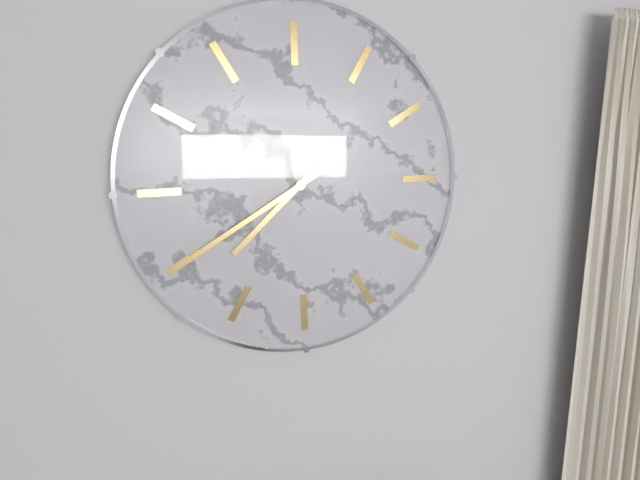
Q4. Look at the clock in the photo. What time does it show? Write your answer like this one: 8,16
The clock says 6,35
